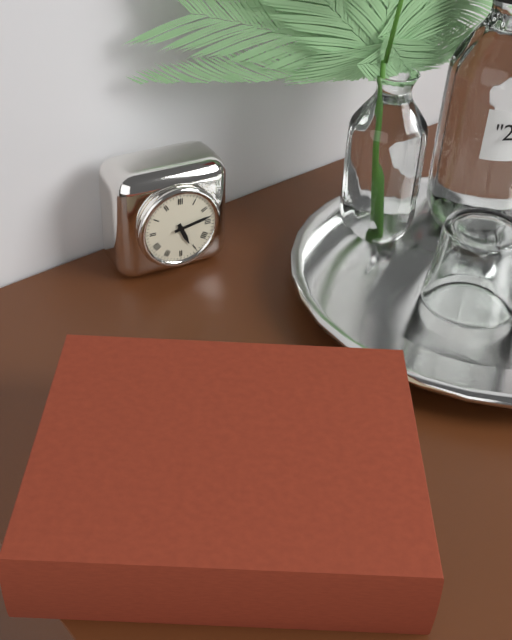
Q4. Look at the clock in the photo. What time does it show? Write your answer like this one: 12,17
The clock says 5,13
